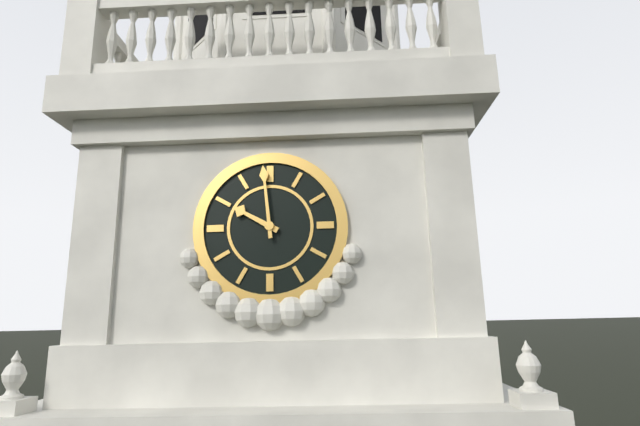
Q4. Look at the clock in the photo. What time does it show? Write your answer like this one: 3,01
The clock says 9,59
